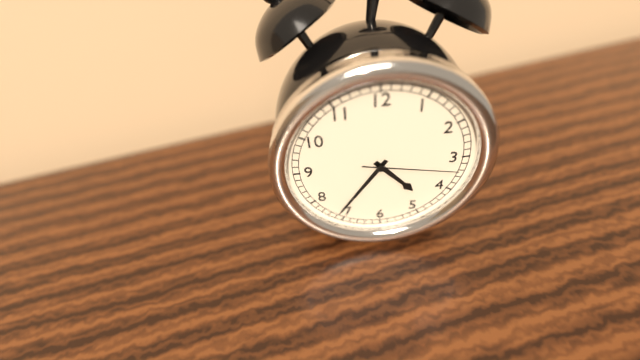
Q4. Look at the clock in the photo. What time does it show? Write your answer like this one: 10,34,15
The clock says 4,36,17
